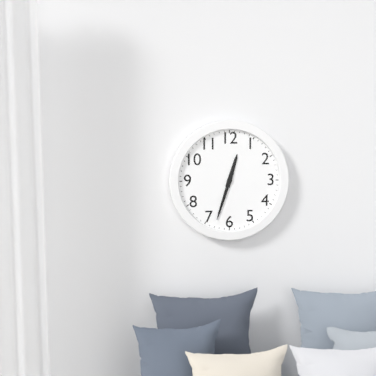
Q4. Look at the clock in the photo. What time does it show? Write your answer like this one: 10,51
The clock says 12,33
